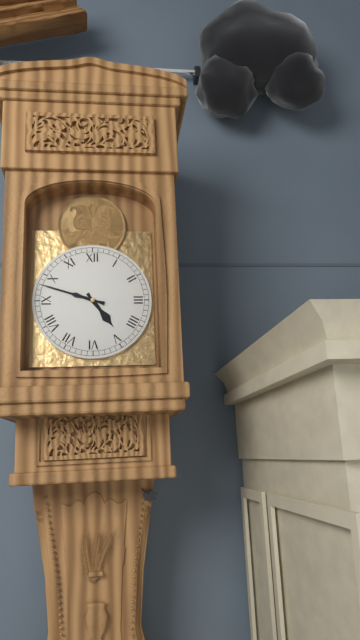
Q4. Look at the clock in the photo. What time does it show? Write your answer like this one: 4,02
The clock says 4,48
